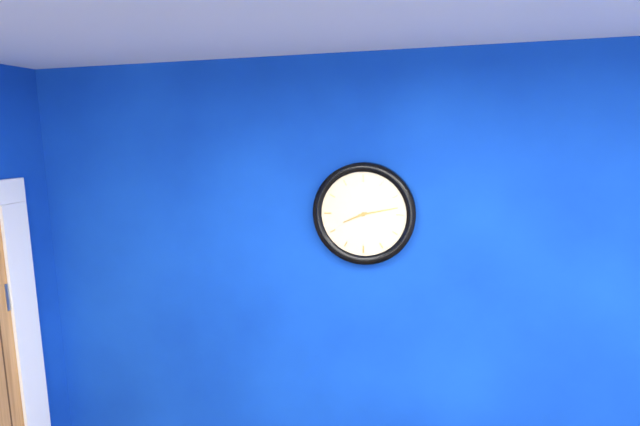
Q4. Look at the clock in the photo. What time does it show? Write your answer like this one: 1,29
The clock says 8,13
